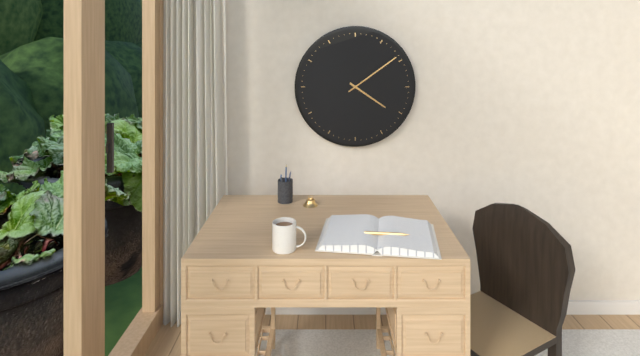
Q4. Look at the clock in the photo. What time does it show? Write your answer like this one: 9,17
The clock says 4,09
